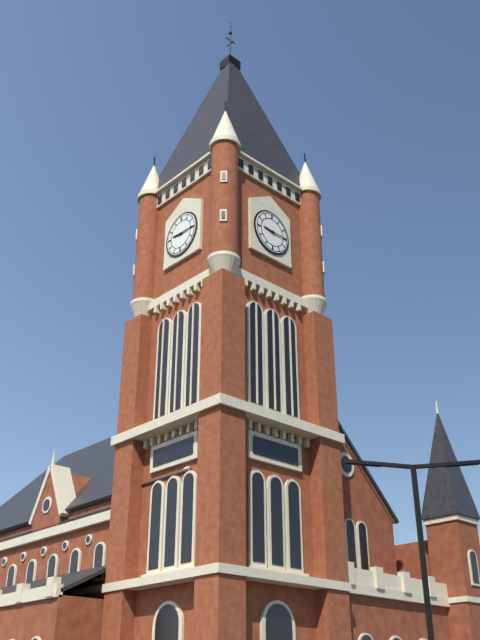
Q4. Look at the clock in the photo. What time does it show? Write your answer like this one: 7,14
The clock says 9,15
